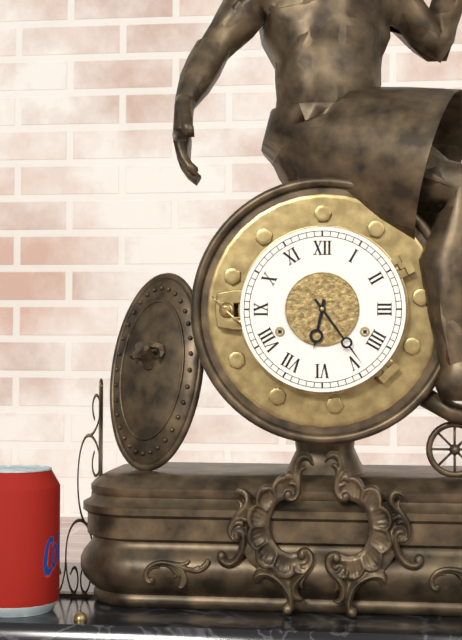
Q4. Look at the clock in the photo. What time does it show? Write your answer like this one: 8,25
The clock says 6,24
